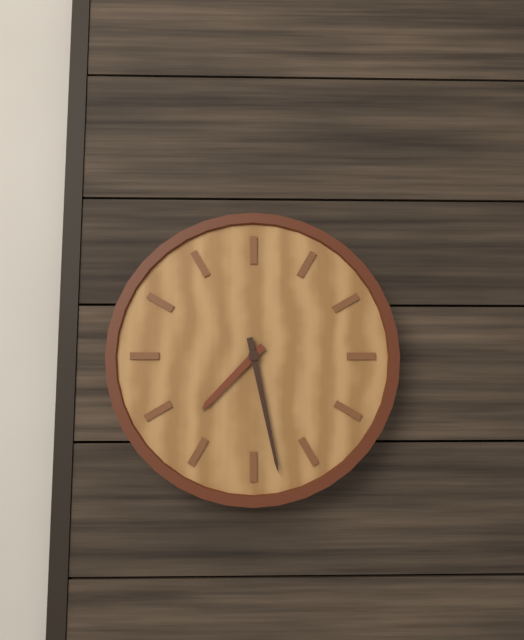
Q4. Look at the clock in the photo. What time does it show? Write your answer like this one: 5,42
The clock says 7,28
